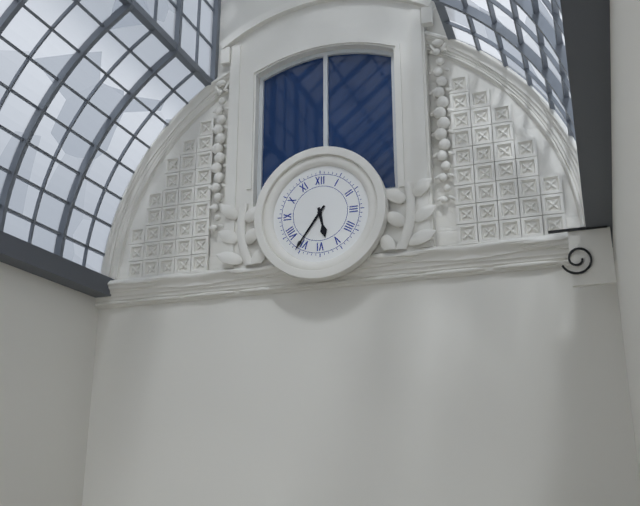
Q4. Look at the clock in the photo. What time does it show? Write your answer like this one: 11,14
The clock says 5,36
